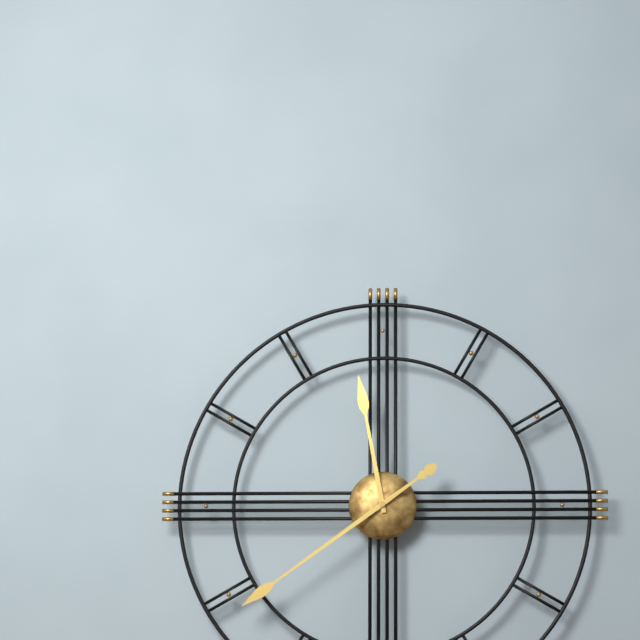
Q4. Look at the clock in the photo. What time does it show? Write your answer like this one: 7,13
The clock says 11,39
